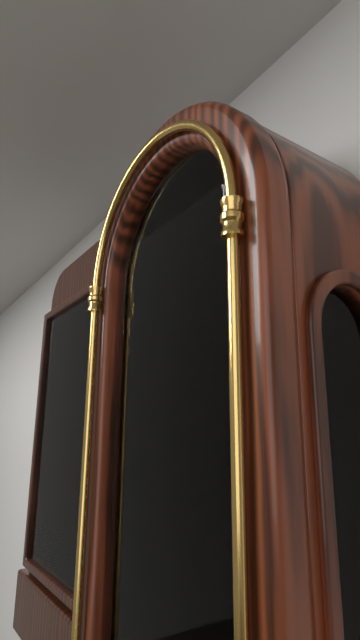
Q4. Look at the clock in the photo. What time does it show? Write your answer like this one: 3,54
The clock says 4,58
